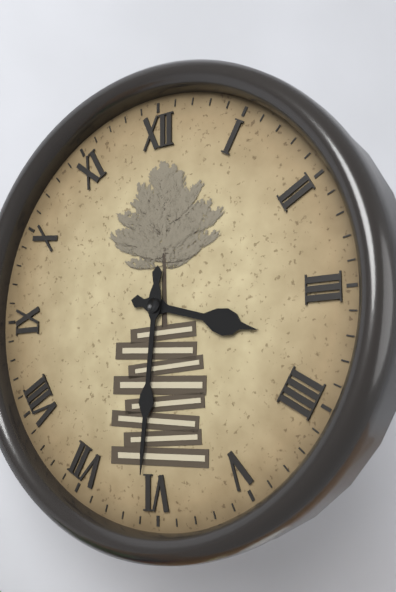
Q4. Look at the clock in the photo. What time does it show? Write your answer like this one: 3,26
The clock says 3,31
